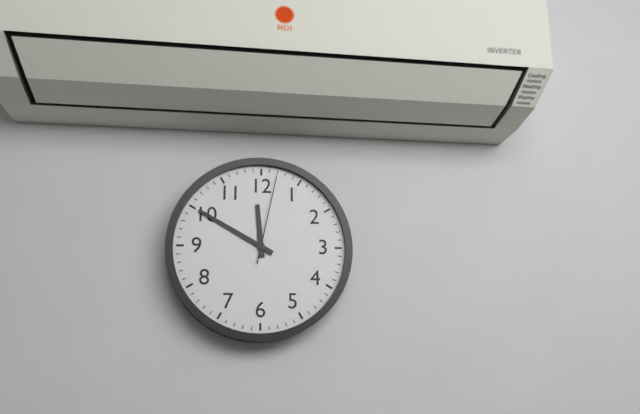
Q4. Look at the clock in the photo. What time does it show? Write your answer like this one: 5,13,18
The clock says 11,50,02
